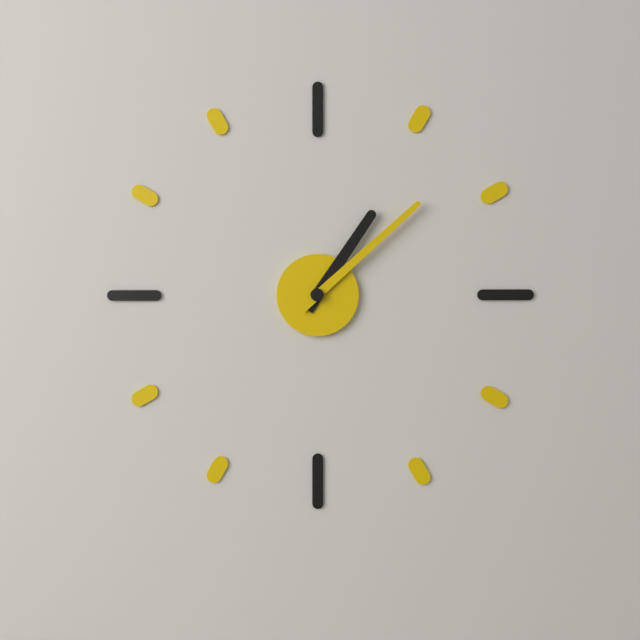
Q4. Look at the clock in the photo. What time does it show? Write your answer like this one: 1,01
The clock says 1,08
